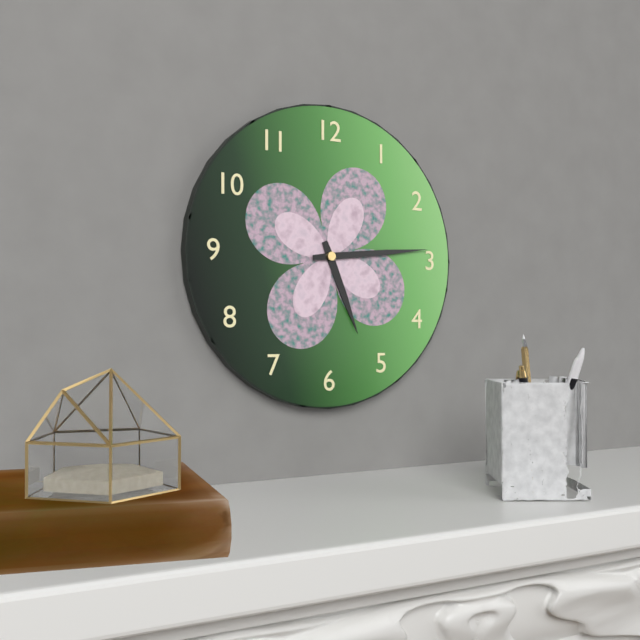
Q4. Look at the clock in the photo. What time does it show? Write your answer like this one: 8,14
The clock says 5,14
